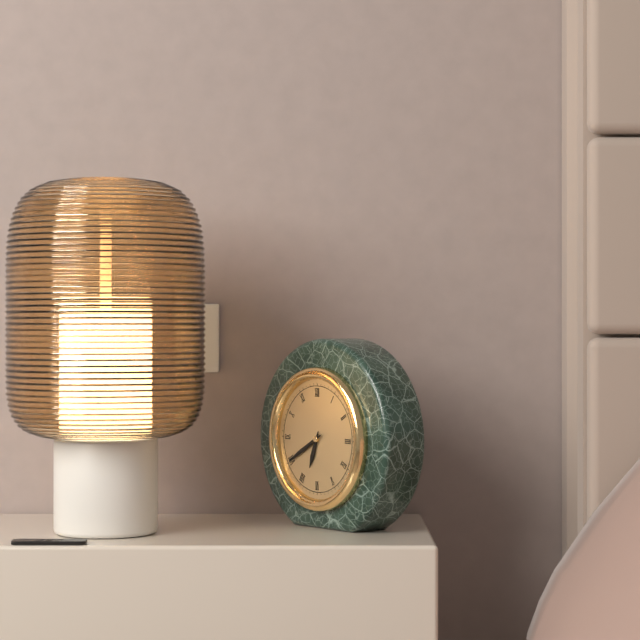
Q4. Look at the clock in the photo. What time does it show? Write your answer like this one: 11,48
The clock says 6,40
